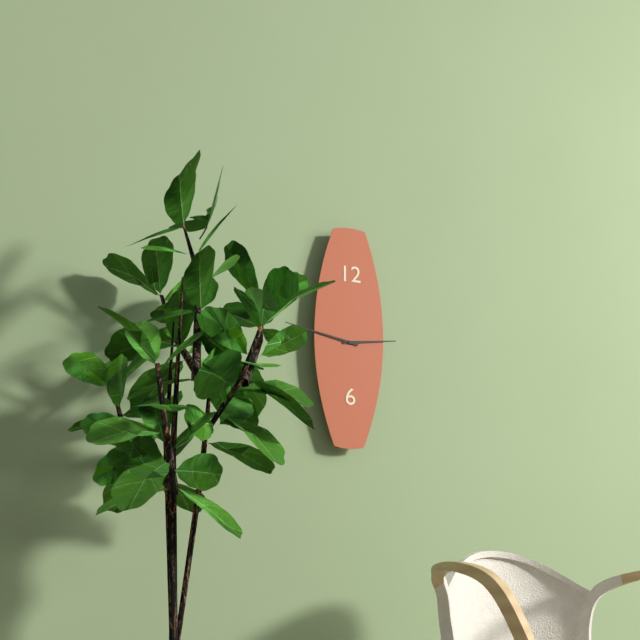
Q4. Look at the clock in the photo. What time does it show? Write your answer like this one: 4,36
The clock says 2,47
